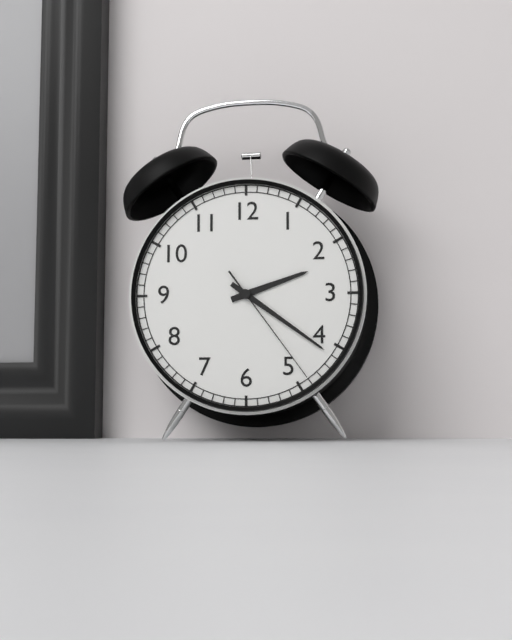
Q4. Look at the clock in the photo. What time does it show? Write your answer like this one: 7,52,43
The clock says 2,21,24
